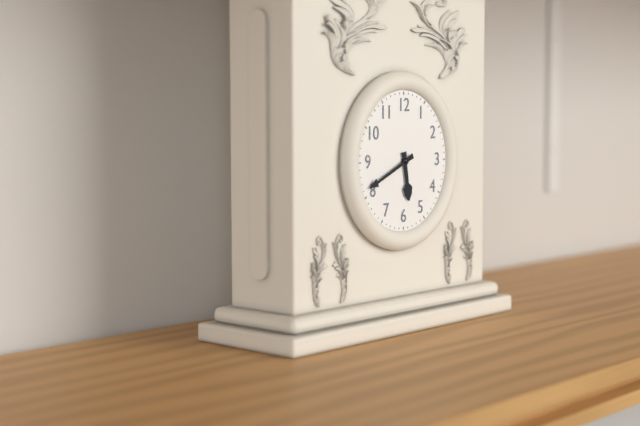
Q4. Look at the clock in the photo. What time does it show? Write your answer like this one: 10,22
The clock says 5,41
